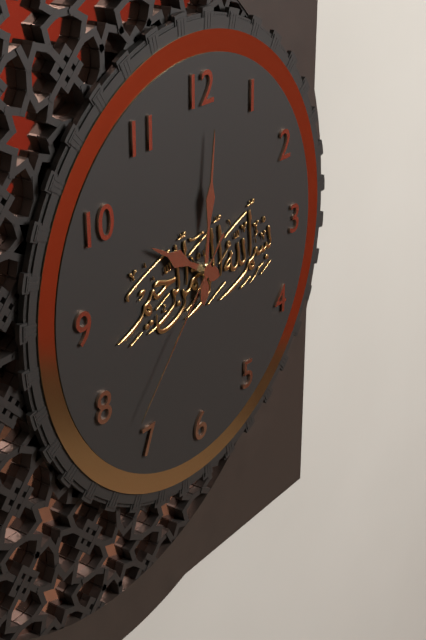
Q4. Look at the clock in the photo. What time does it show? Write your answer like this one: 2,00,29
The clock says 10,01,37
